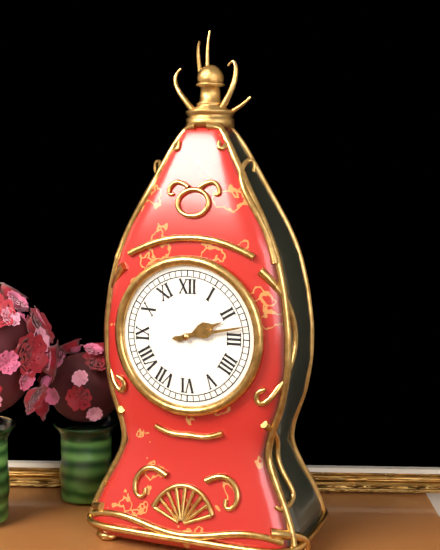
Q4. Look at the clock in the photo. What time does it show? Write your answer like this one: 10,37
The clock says 2,13
